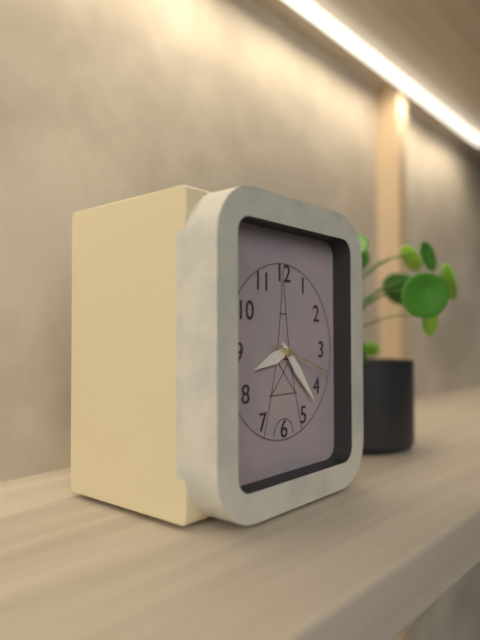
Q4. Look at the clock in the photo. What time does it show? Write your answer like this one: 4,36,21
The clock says 8,23,18
